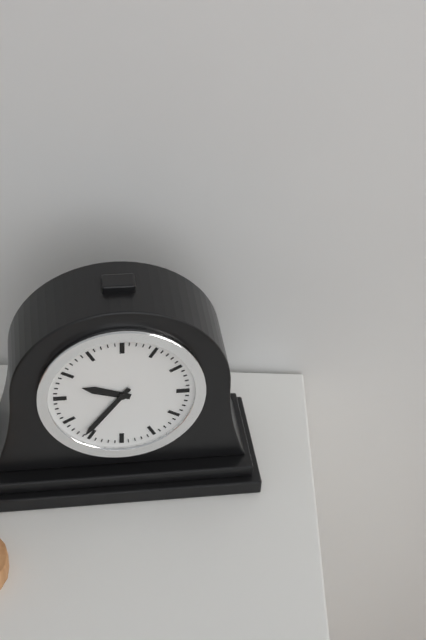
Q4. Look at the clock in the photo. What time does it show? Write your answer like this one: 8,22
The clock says 9,36
